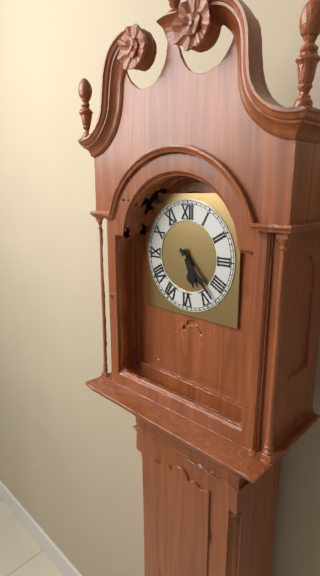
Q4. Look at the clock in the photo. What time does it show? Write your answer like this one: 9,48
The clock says 5,23
